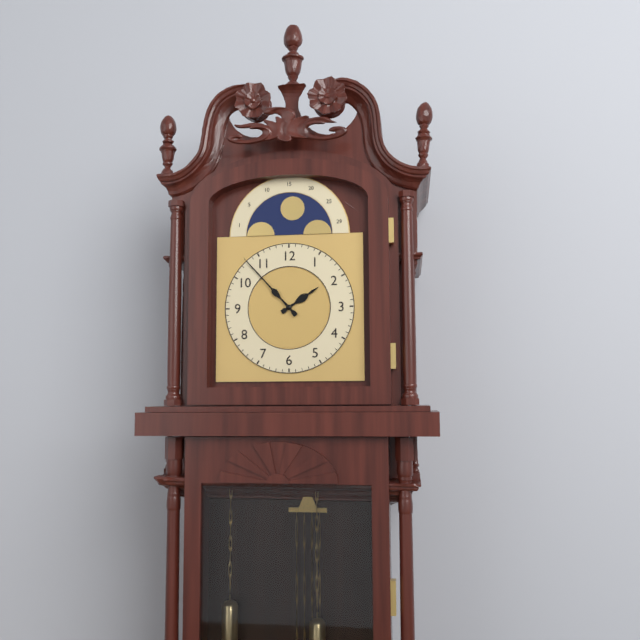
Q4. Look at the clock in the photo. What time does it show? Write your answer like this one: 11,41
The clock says 1,53
